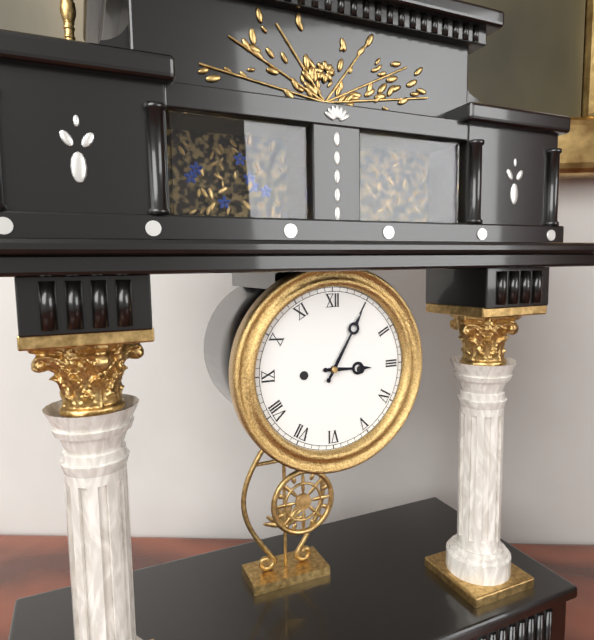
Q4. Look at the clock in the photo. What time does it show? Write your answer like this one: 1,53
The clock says 3,05
